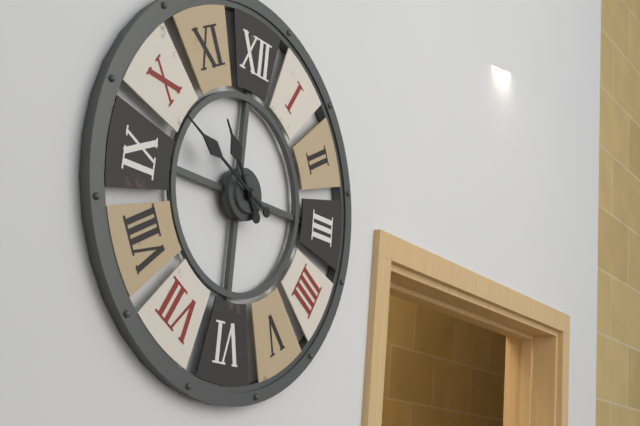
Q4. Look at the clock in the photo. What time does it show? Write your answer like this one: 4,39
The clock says 10,49
